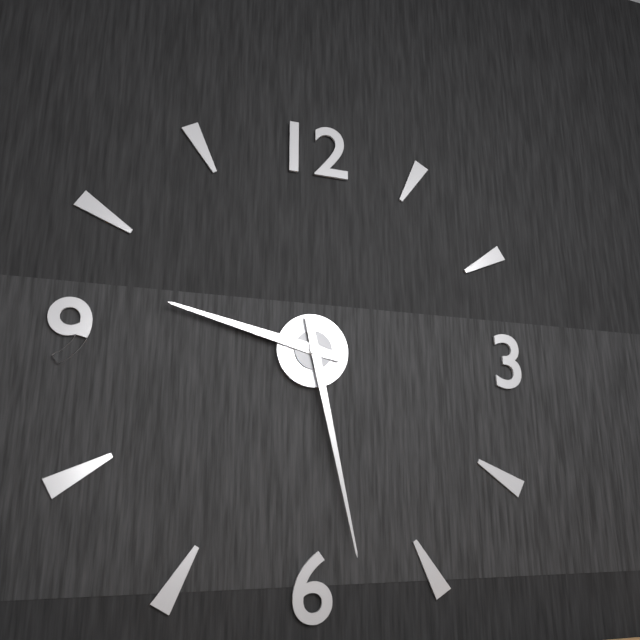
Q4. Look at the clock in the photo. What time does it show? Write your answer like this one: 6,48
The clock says 9,28
